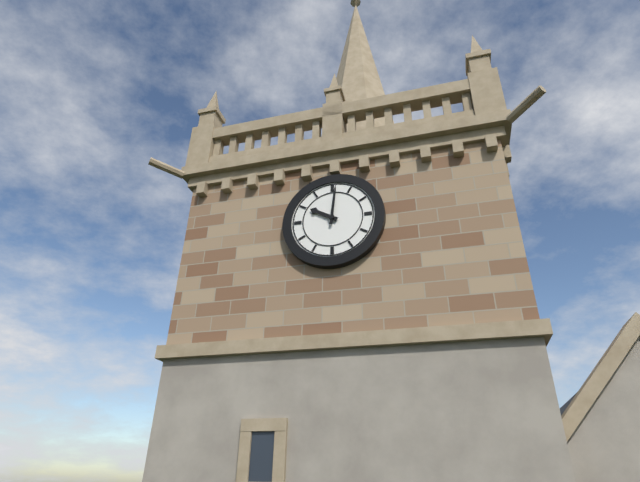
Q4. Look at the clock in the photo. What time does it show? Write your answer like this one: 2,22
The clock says 10,01
